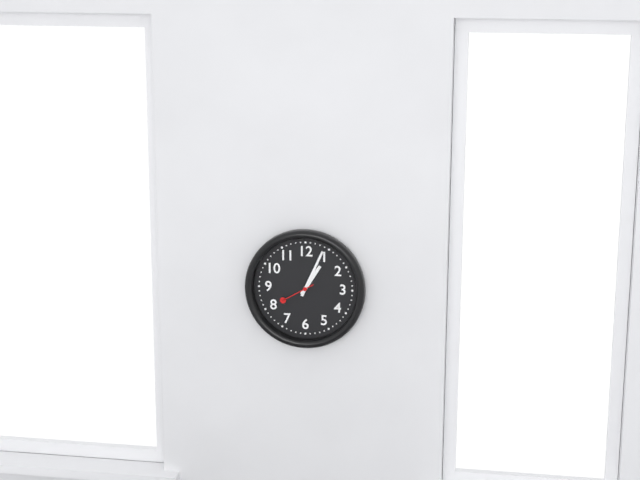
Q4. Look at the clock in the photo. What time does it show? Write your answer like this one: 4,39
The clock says 1,04
